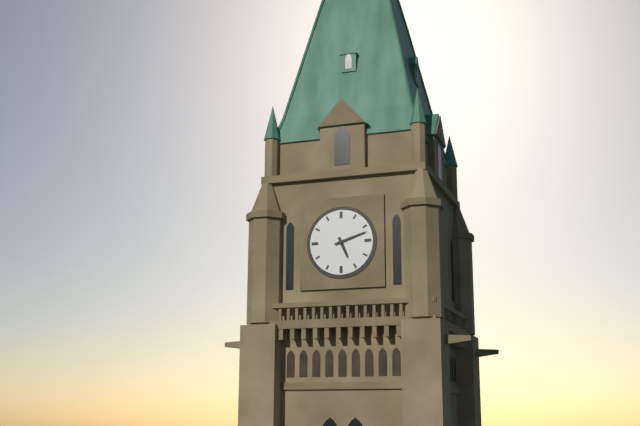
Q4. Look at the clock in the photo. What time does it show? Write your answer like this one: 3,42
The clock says 5,12
